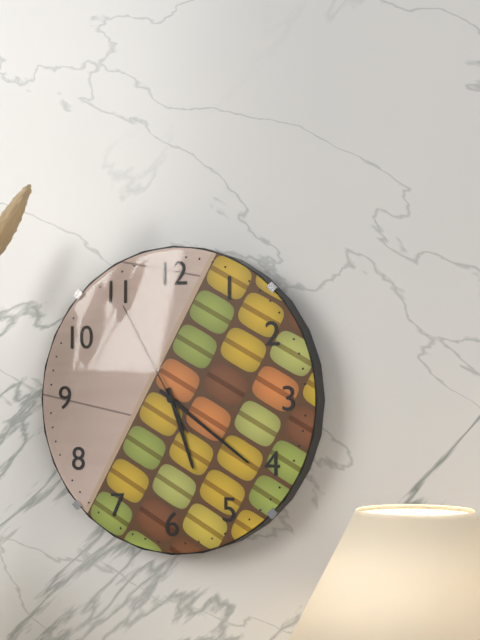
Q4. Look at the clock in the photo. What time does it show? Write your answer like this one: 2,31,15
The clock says 5,21,55
